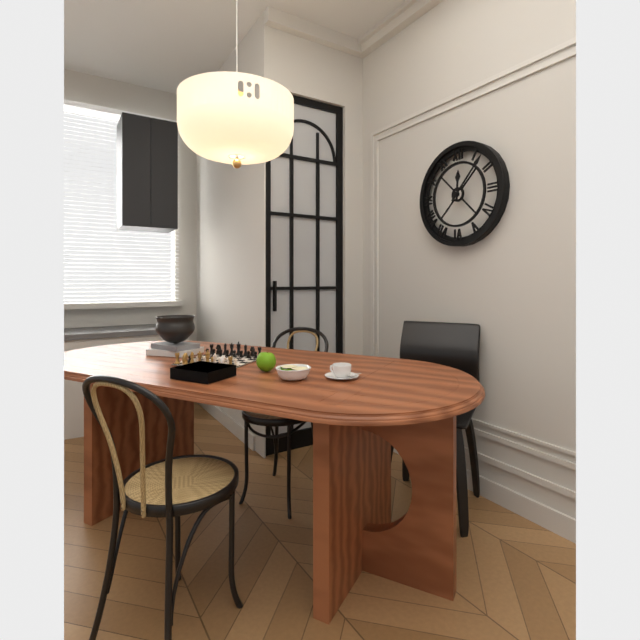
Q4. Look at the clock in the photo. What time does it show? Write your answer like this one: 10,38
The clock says 12,07
